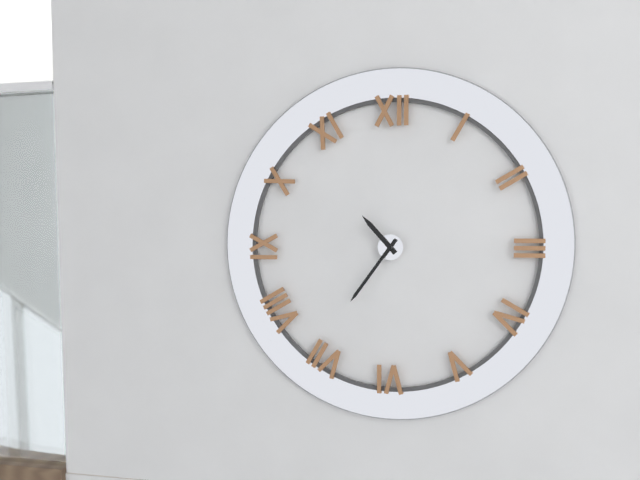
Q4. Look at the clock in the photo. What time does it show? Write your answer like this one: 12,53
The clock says 10,36
